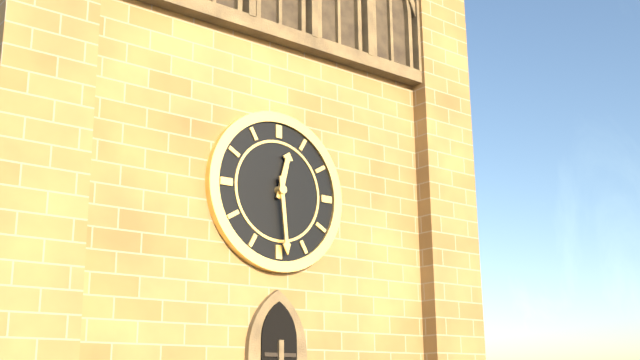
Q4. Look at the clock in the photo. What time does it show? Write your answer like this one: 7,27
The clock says 12,29
